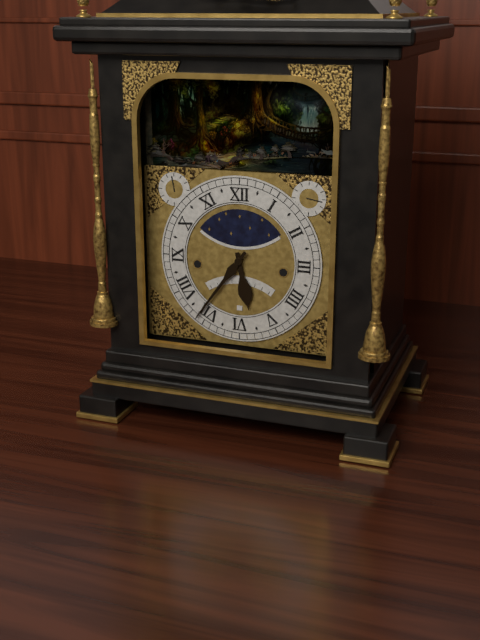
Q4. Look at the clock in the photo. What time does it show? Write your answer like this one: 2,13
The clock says 5,36
